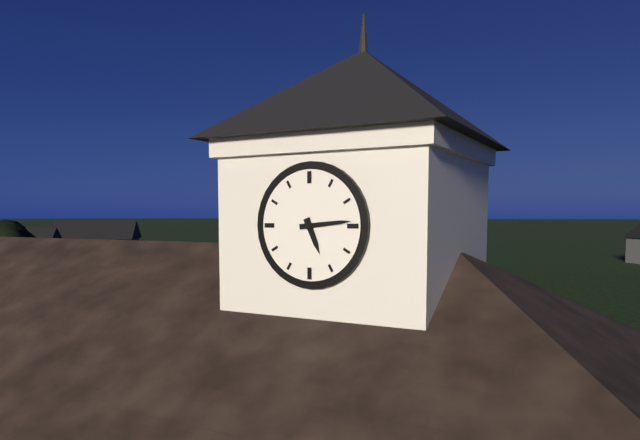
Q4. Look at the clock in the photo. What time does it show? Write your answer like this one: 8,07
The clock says 5,14
